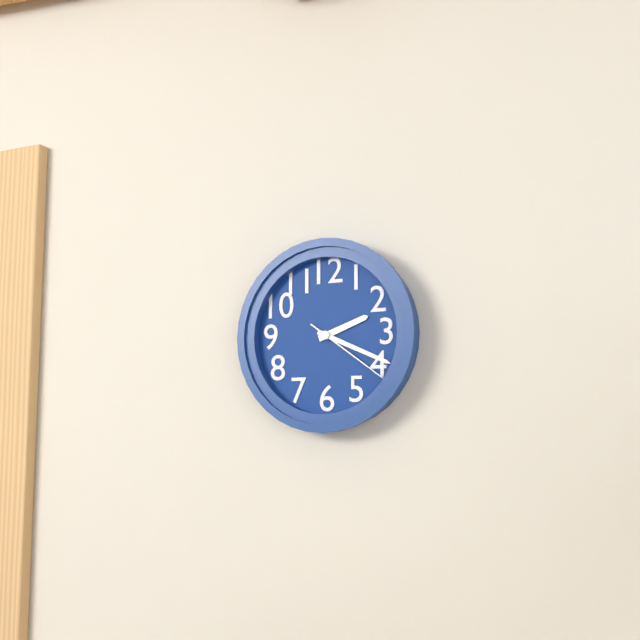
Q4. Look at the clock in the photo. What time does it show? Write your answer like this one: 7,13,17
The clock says 2,19,21
